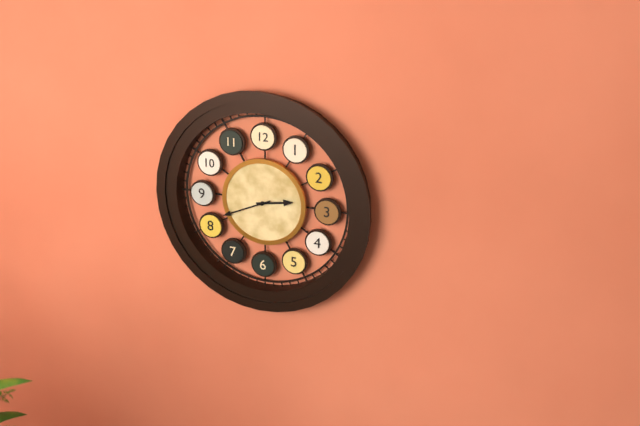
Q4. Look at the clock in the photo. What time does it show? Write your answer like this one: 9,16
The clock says 2,41
